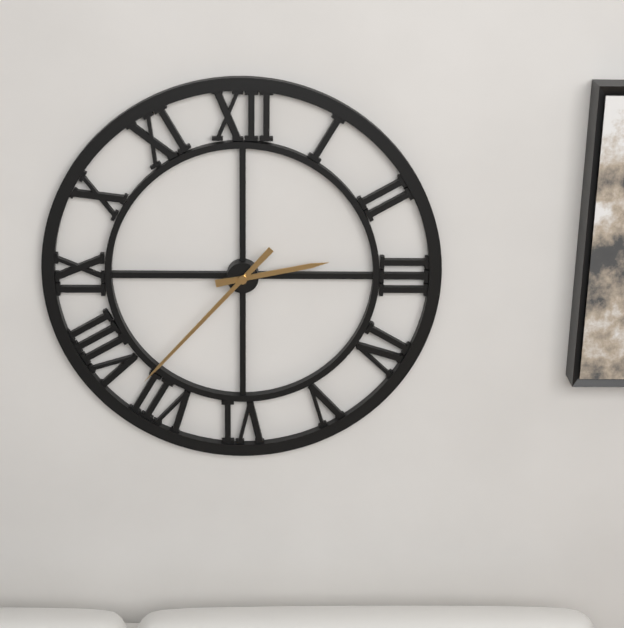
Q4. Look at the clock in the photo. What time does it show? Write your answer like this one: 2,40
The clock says 2,37
